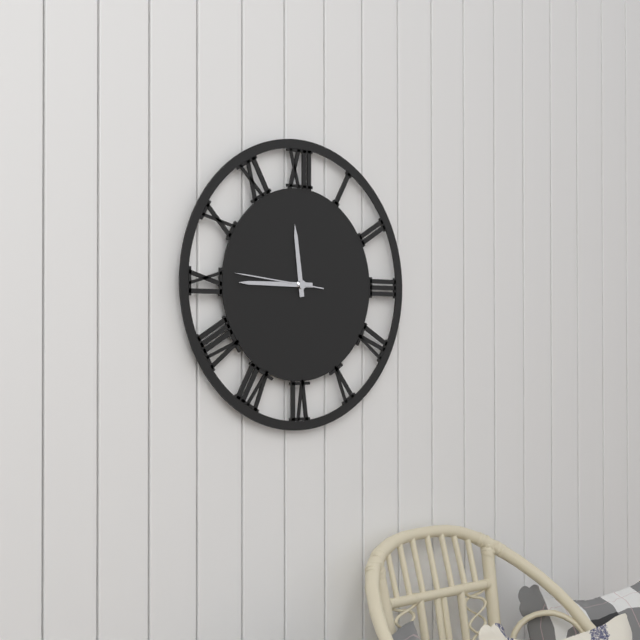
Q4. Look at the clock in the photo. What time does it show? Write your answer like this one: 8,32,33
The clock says 11,45,46
